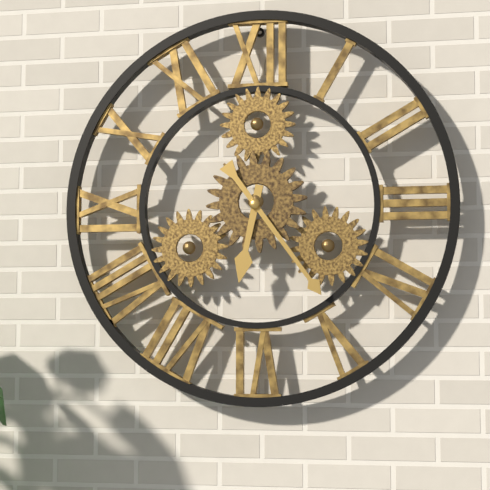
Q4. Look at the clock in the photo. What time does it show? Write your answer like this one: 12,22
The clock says 6,24
